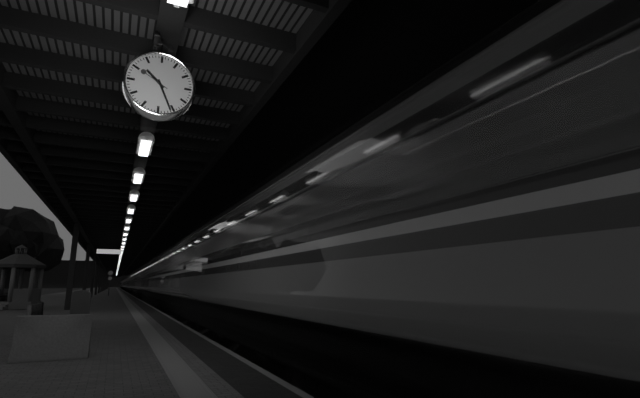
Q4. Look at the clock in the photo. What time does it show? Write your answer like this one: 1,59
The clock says 10,26
